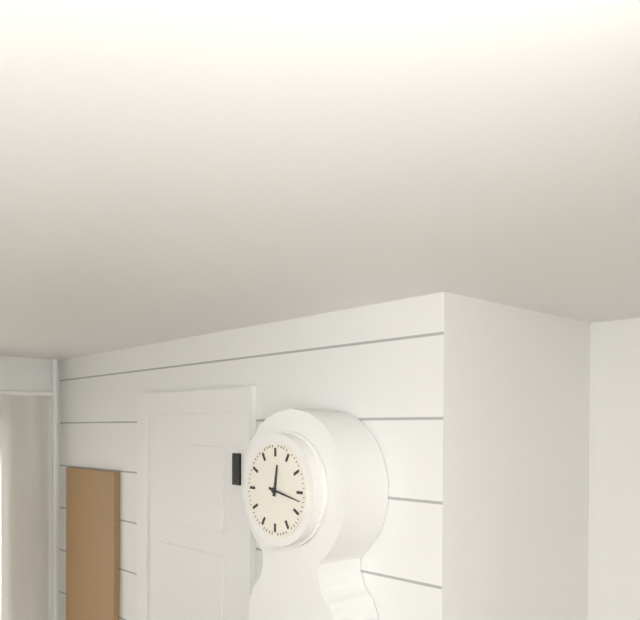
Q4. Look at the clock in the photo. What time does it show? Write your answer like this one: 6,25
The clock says 12,17
